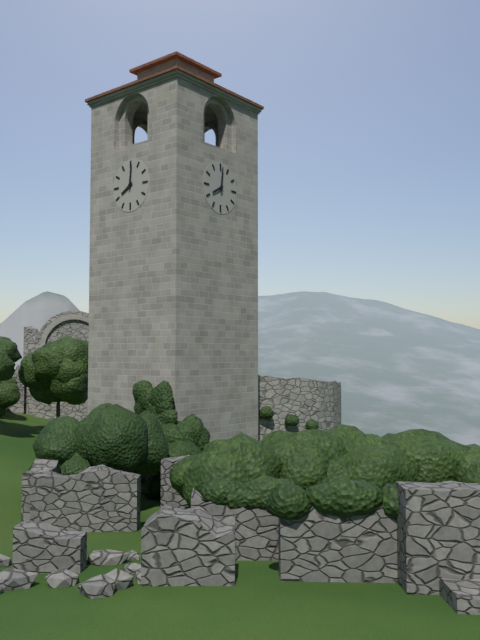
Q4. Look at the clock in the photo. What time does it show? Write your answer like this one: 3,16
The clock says 8,01
